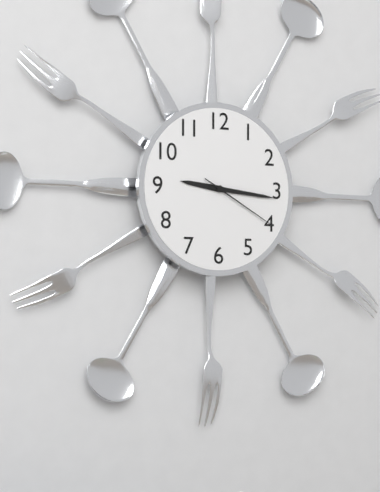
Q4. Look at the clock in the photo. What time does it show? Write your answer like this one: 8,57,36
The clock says 9,16,20
